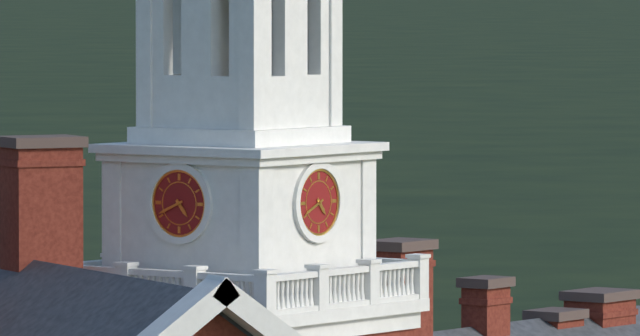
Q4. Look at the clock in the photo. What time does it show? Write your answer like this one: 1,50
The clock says 4,41
